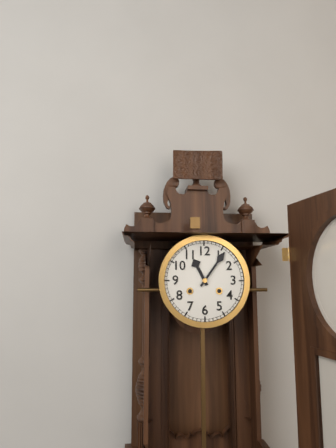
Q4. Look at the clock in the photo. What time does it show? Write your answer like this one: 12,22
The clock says 11,06
